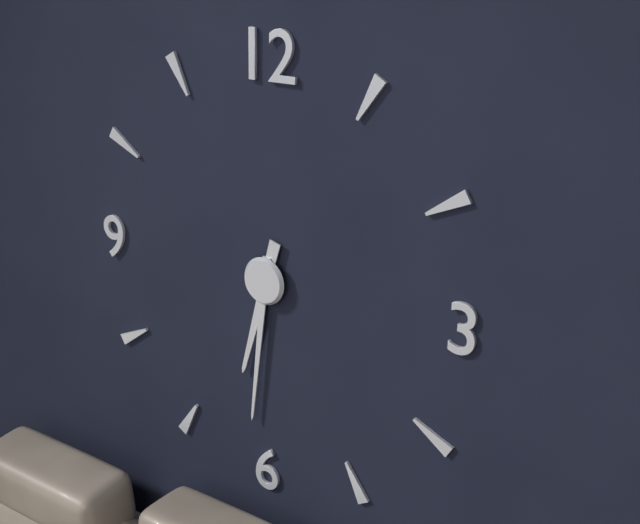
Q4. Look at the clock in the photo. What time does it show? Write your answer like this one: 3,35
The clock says 6,31
